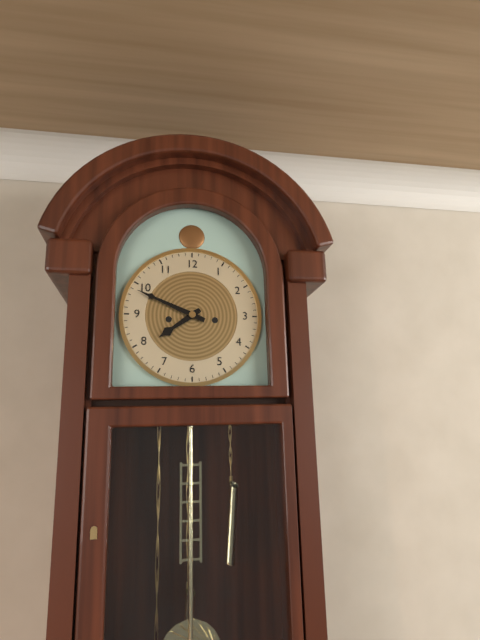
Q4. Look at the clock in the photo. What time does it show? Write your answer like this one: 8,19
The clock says 7,49
